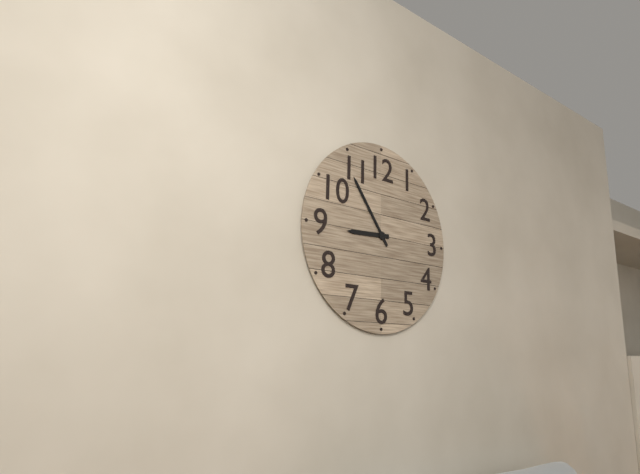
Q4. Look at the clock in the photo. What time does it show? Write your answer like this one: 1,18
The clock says 8,54
